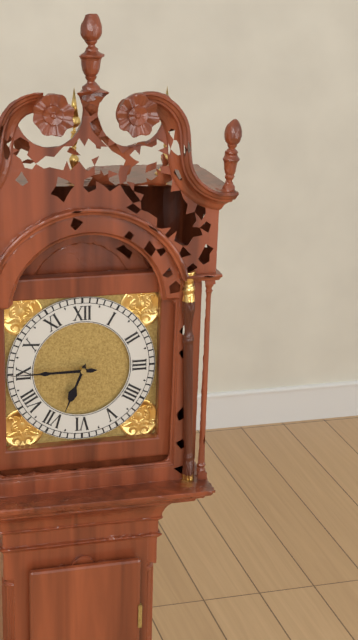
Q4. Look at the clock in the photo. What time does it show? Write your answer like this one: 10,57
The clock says 6,45
